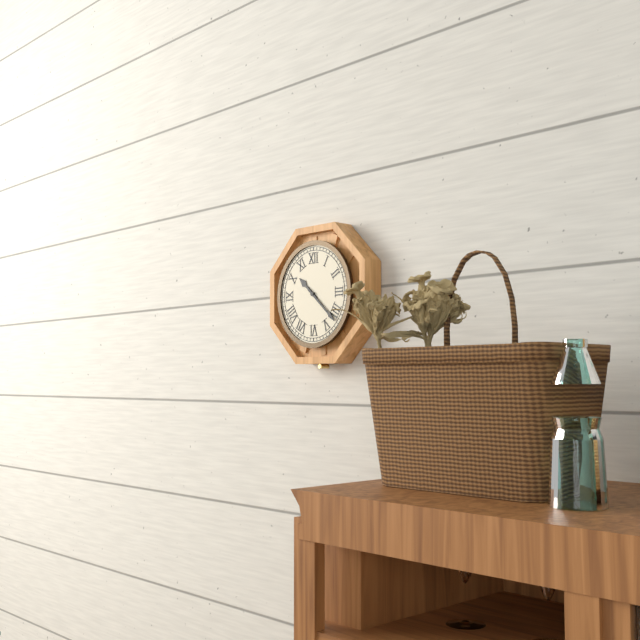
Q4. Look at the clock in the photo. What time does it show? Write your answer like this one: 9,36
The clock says 10,22
